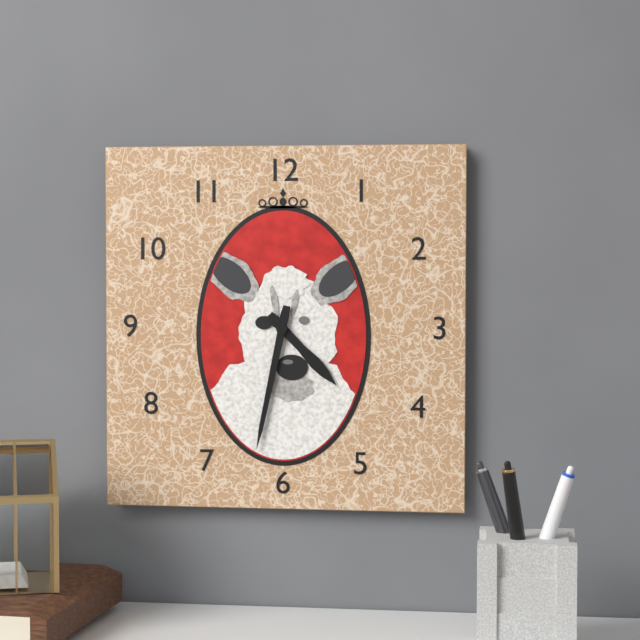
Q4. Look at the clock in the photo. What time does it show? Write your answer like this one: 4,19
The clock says 4,32
